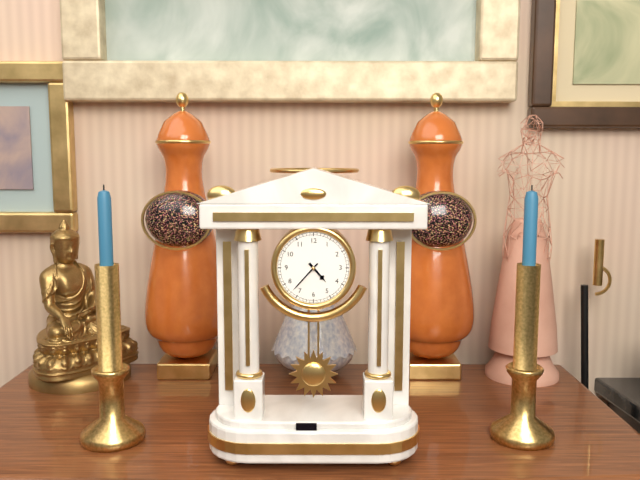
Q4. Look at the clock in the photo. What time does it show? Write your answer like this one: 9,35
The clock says 4,37
